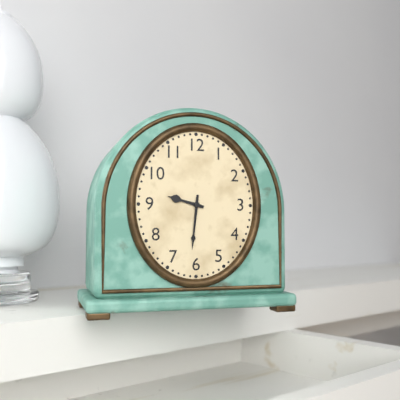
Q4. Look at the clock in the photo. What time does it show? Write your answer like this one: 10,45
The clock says 9,31
